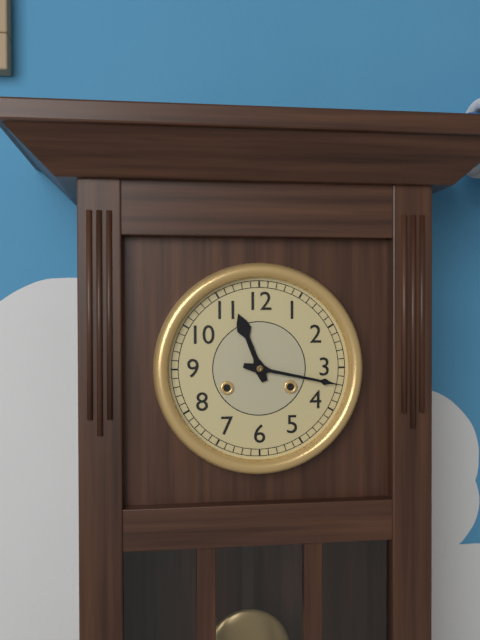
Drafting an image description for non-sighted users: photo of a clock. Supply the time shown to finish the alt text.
11:17
